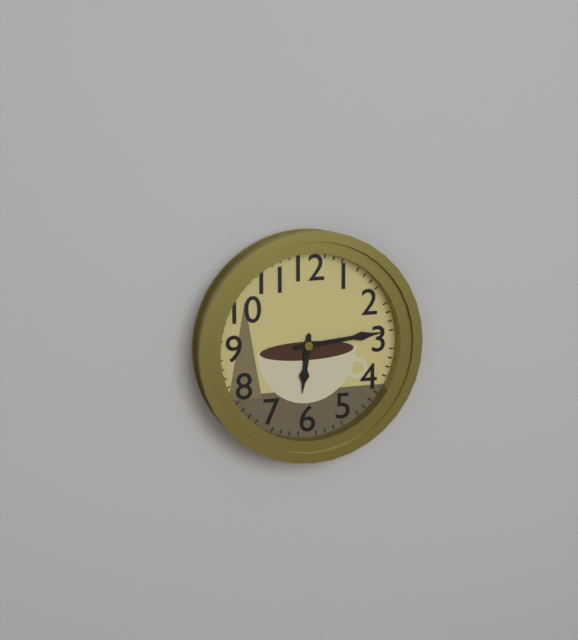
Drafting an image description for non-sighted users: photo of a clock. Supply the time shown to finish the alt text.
6:14
